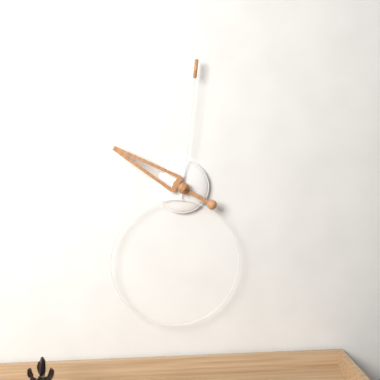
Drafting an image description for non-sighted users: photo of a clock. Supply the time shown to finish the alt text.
10:01
